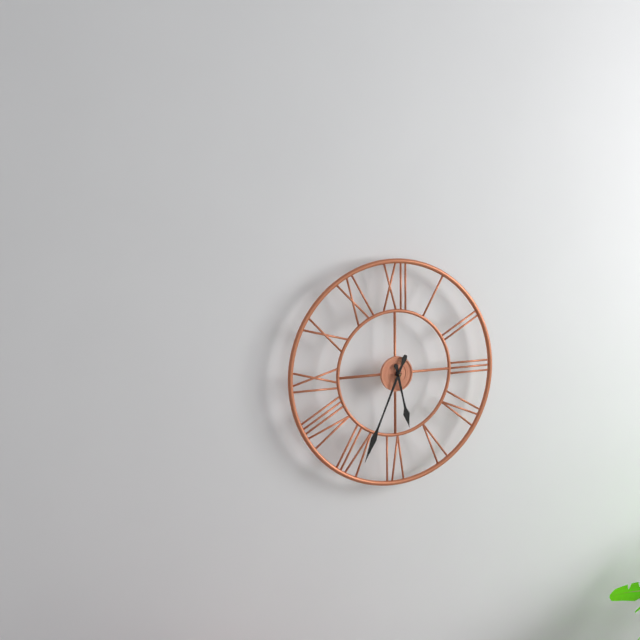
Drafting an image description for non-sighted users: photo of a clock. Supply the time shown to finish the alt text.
5:34
